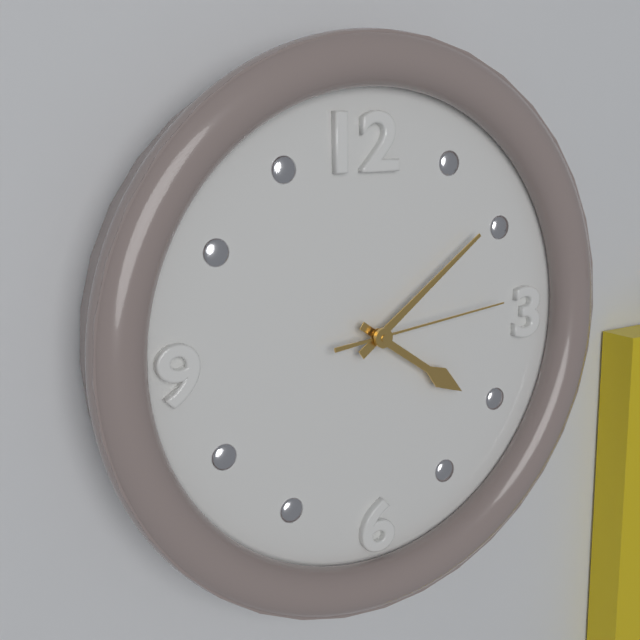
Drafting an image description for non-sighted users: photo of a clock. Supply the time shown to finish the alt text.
4:09:14
